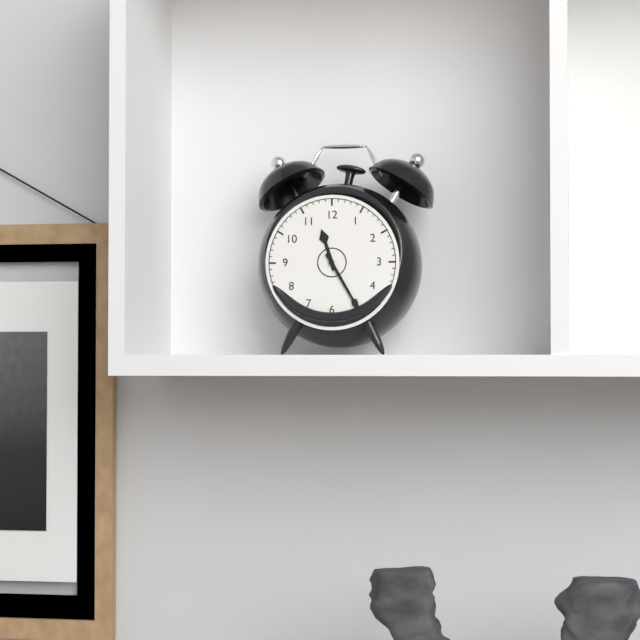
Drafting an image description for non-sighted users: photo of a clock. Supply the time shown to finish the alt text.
11:25
